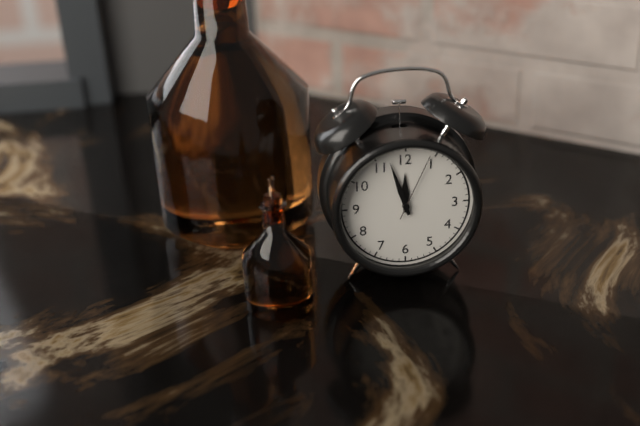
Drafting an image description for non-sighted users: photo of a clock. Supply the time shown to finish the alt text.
11:57:04
